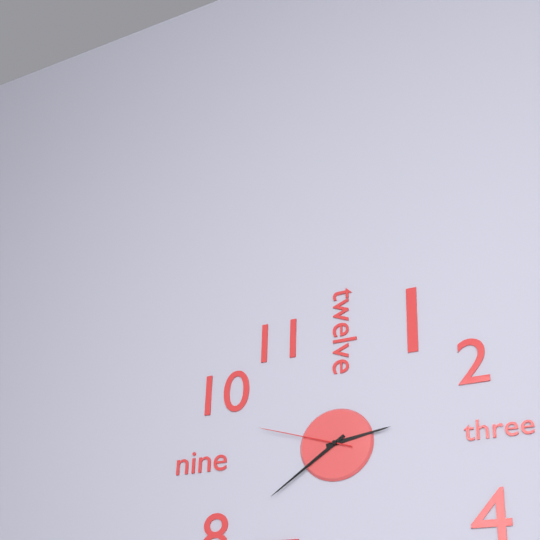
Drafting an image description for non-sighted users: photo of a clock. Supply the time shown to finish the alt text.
2:39:48
